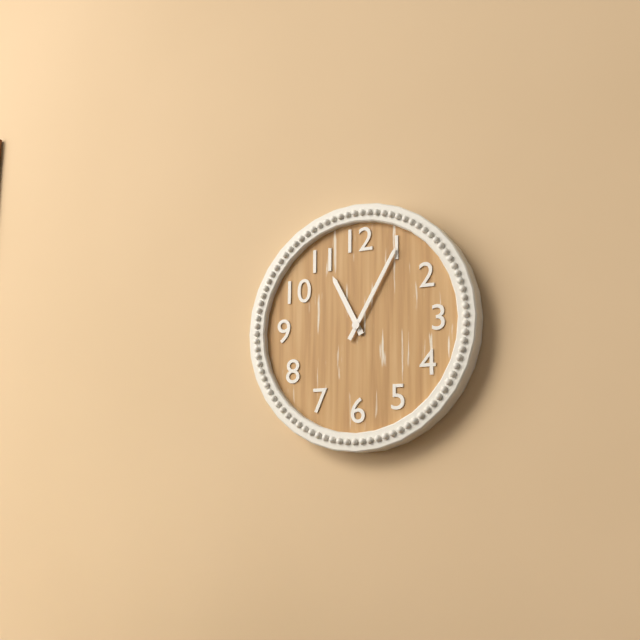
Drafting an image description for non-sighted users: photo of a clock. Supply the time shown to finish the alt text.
11:05
